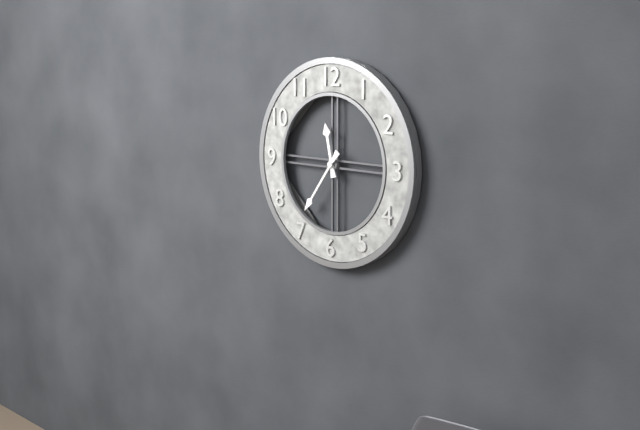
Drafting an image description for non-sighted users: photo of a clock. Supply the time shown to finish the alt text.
11:36
